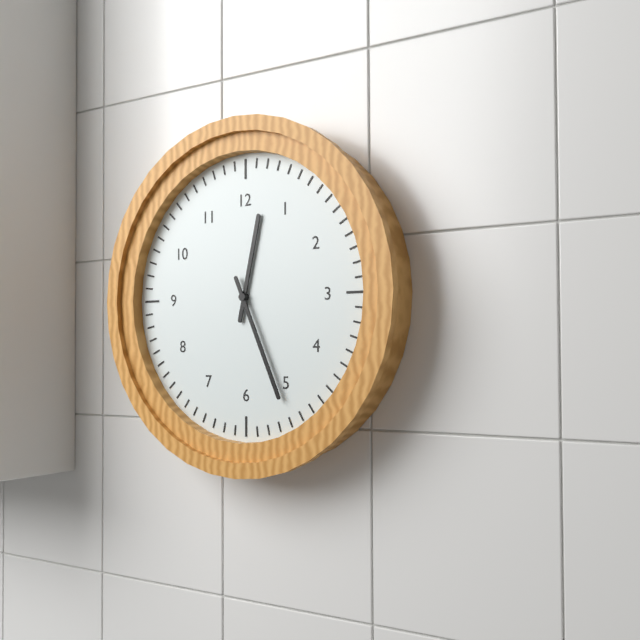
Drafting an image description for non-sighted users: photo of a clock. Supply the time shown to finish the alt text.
12:26
